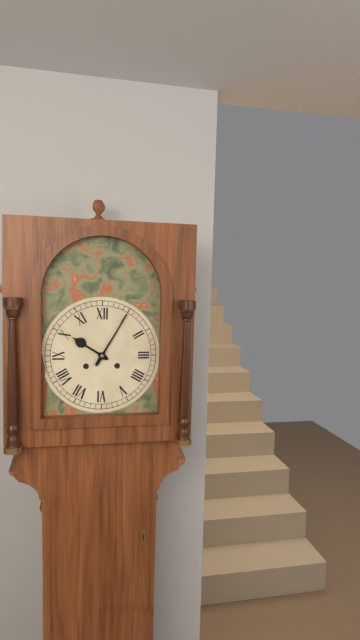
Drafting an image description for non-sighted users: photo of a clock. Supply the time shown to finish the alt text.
10:05
